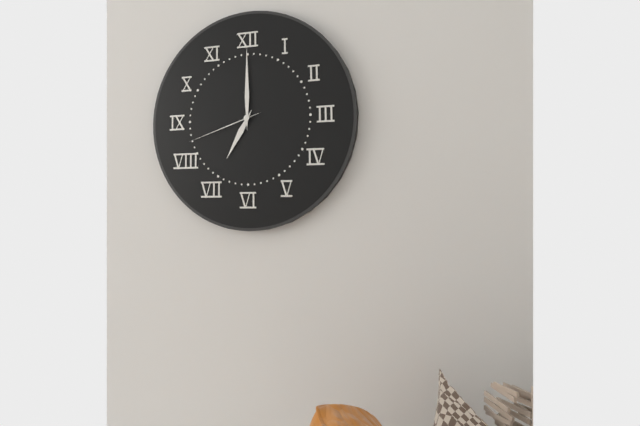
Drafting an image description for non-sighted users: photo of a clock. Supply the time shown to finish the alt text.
7:00:42
